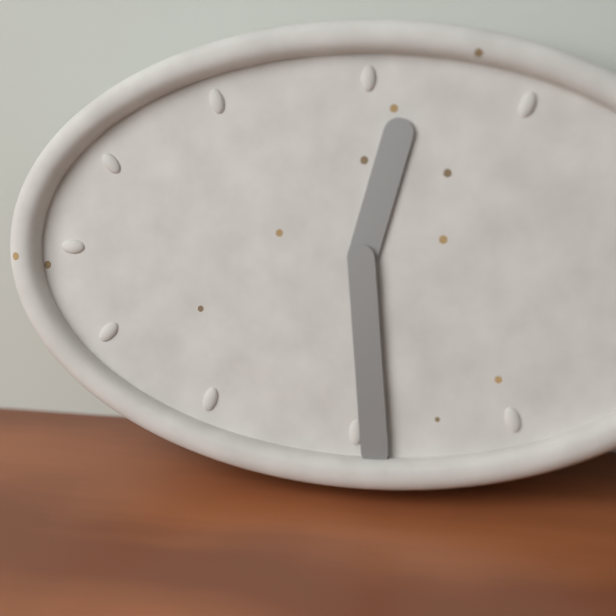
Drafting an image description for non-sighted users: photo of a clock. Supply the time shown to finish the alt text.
12:29
